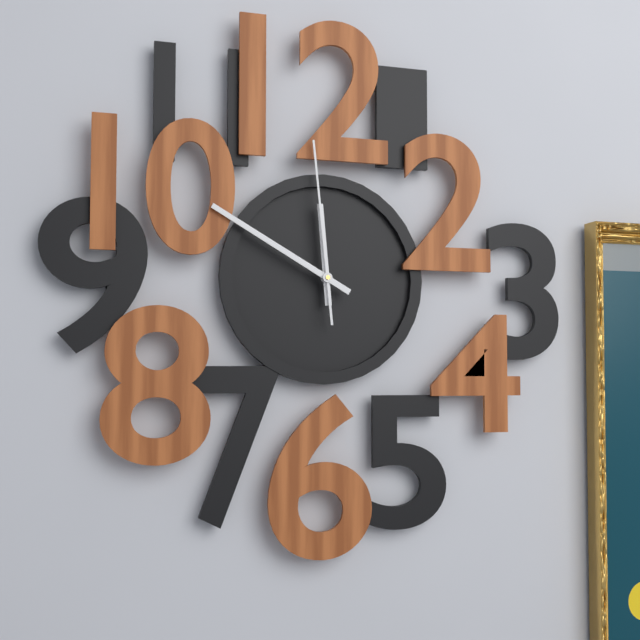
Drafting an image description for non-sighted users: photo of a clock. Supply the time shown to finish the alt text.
11:50:59
